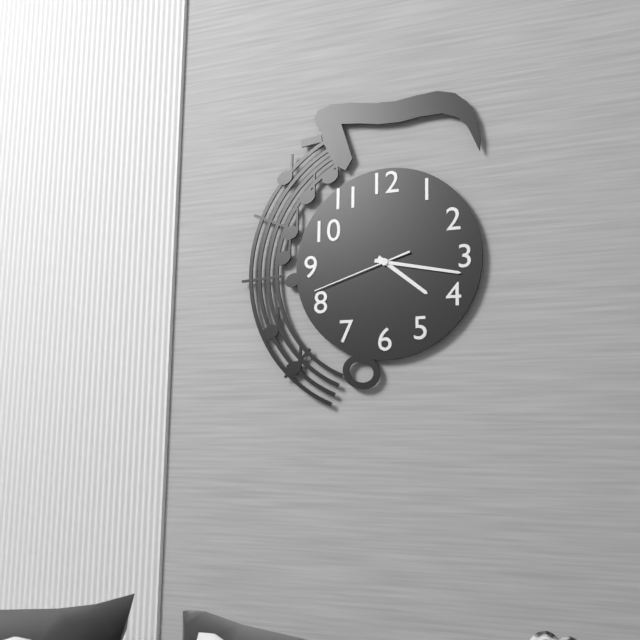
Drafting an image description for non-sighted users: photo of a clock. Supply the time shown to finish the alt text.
4:17:42
